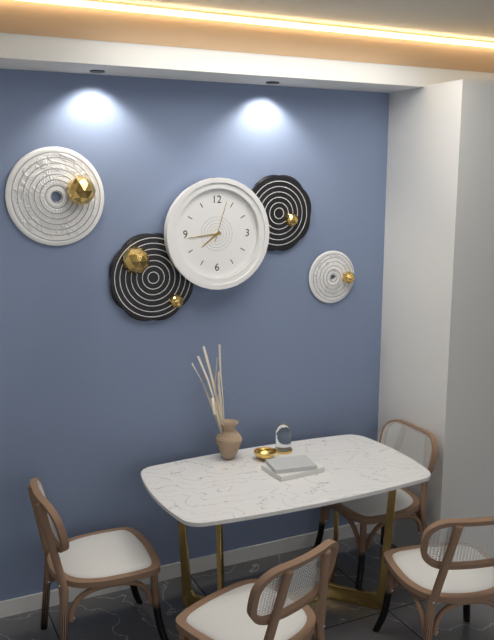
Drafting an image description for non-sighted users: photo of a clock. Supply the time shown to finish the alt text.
7:44
